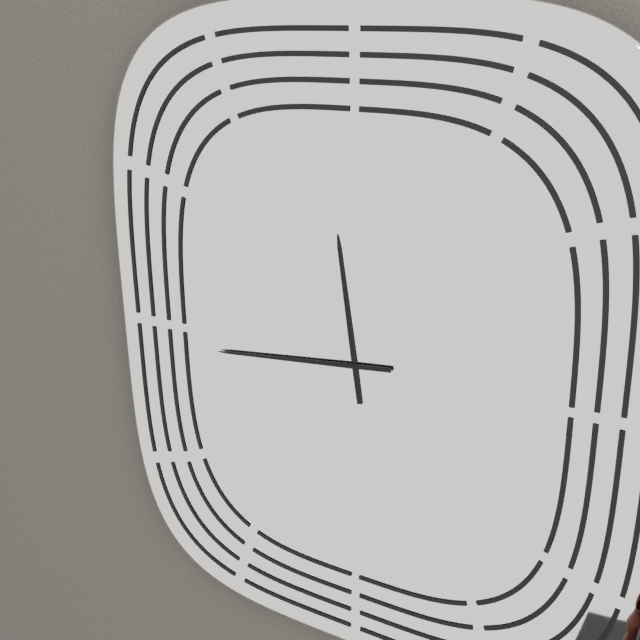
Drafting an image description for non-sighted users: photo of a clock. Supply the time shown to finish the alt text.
11:44
